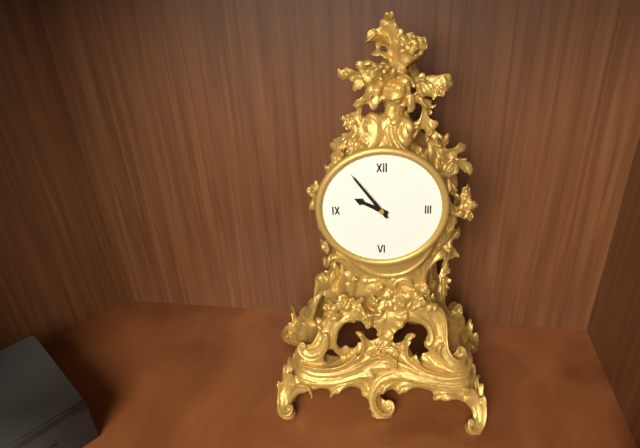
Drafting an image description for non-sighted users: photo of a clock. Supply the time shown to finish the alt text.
9:54
